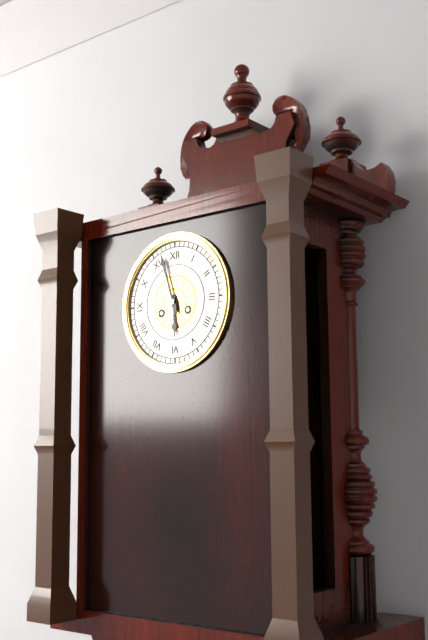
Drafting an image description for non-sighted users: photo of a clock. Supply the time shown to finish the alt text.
5:57
